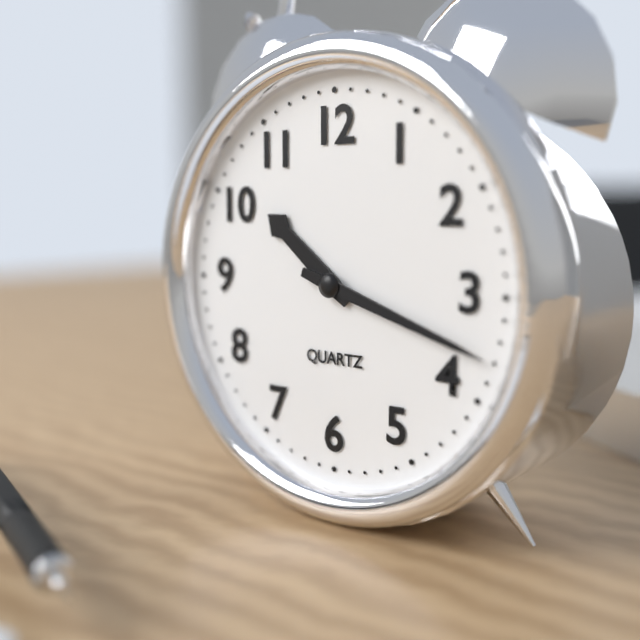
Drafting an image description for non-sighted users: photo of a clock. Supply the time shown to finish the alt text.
10:18
